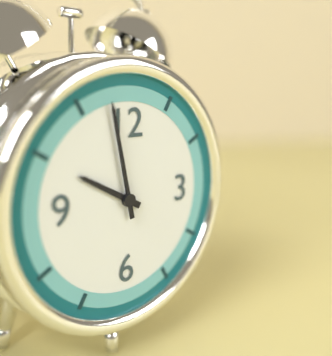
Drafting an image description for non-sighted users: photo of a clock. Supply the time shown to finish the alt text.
9:58
